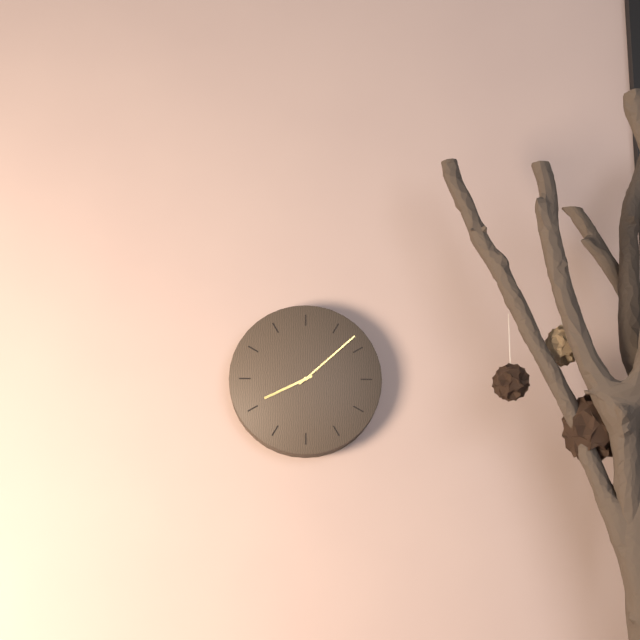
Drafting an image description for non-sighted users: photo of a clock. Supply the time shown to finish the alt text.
8:08
